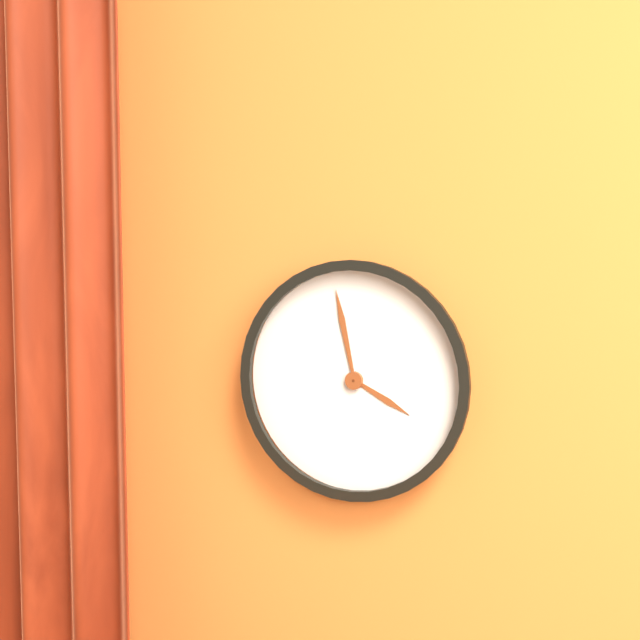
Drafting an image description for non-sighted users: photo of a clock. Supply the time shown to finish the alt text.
3:58
